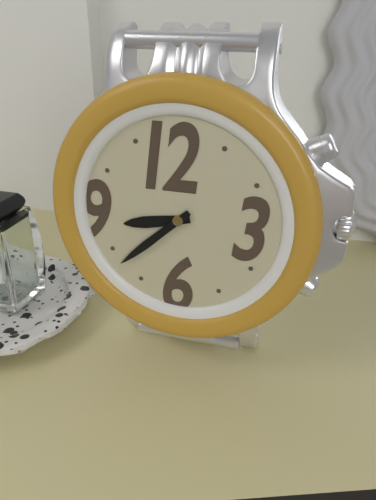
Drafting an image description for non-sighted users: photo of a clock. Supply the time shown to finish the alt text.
8:38
